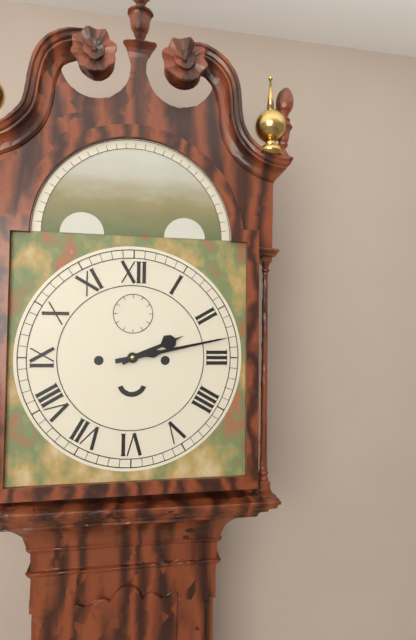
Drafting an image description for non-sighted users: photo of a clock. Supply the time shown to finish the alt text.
2:13
